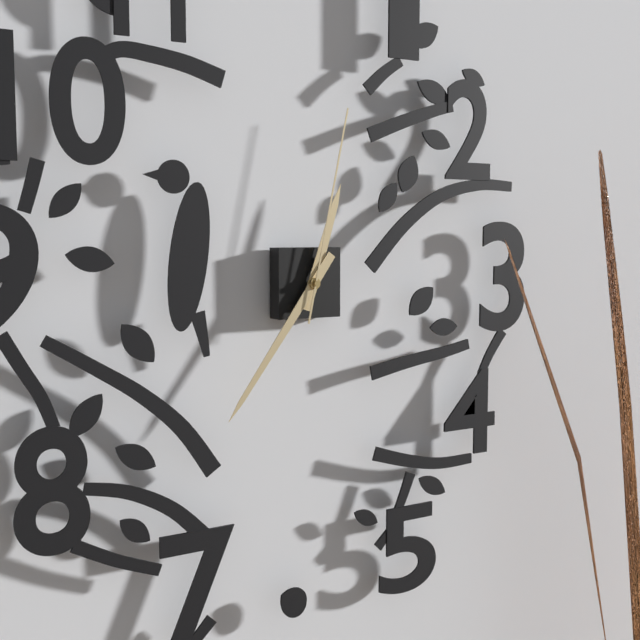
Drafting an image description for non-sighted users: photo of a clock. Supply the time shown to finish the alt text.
12:36:02
